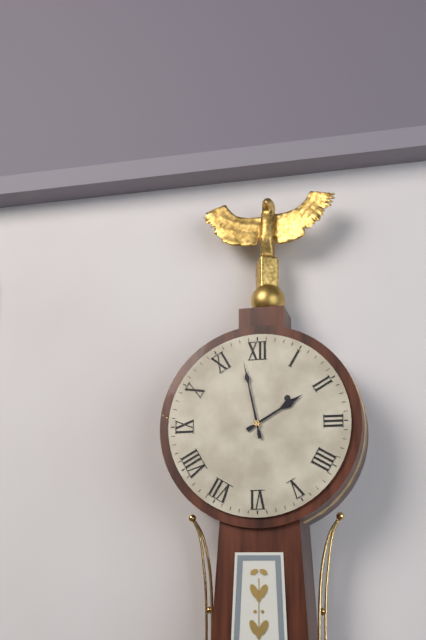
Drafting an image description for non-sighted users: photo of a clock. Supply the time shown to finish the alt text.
1:58
